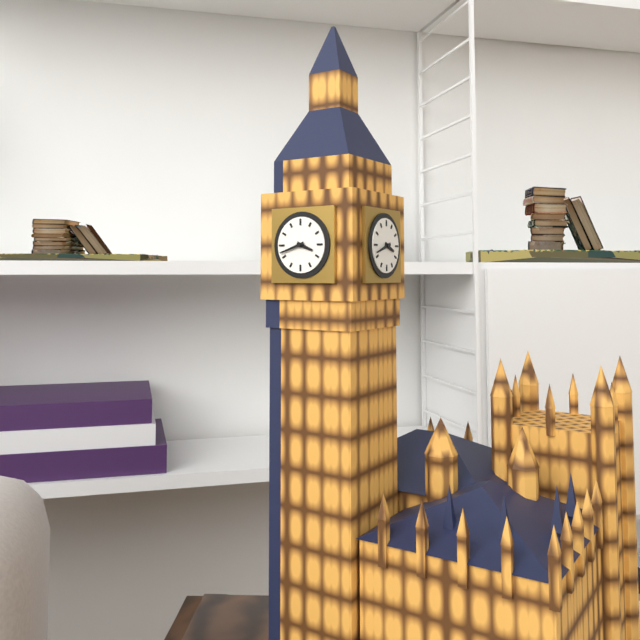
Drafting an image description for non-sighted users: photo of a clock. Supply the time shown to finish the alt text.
3:42
